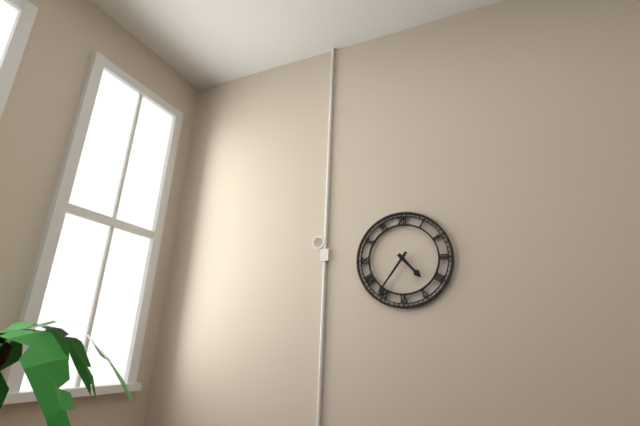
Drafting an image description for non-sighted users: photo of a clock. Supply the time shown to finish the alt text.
4:36
